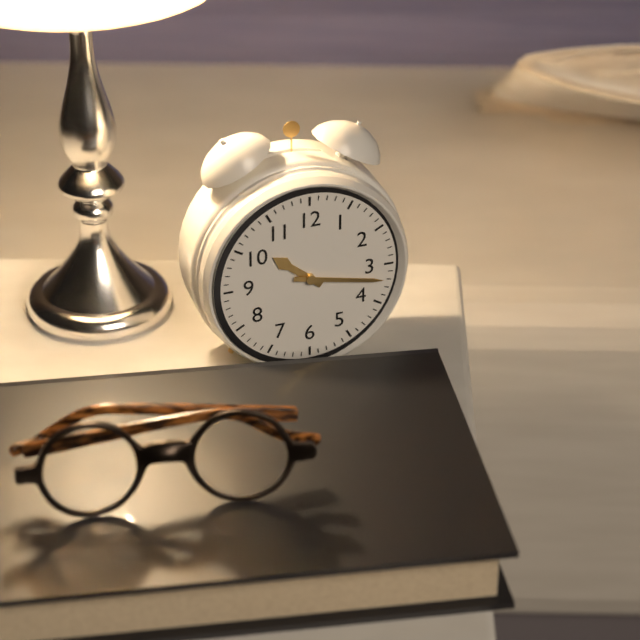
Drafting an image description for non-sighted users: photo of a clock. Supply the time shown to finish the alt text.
10:17
